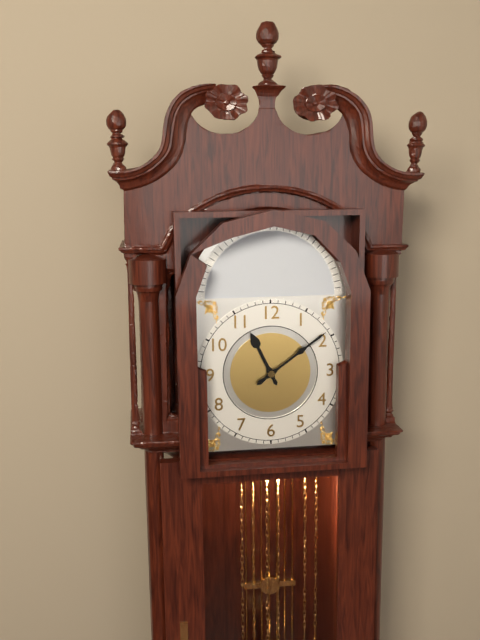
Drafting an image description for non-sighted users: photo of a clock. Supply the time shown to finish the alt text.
11:09
